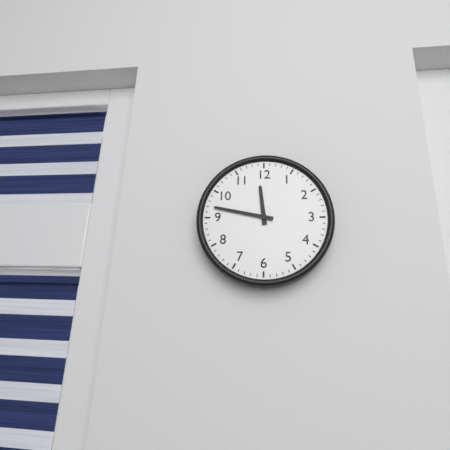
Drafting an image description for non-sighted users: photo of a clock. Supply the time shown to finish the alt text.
11:47
